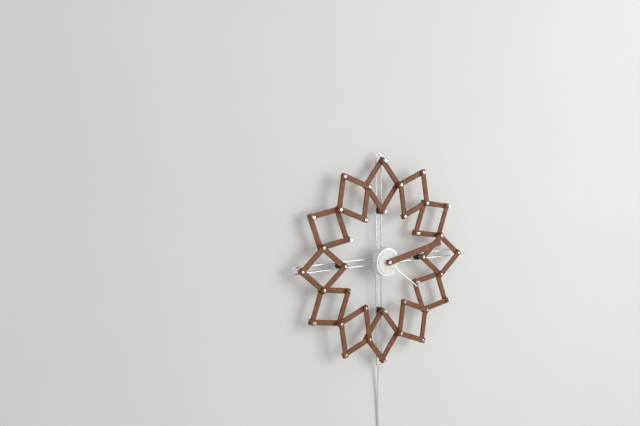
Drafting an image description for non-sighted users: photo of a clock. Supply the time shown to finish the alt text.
4:13
